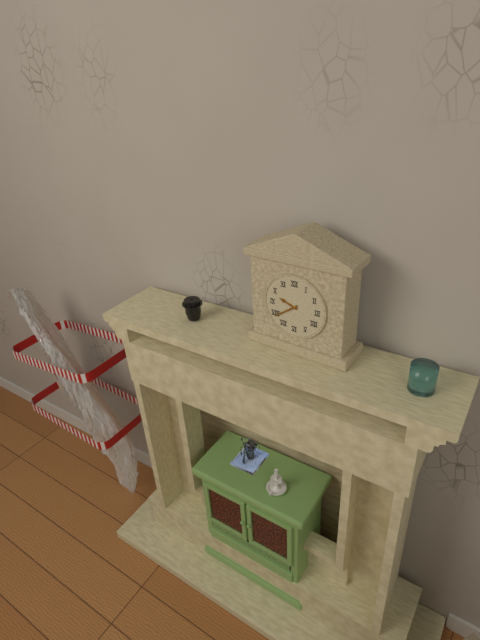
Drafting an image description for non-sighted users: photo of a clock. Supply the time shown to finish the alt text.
9:39
